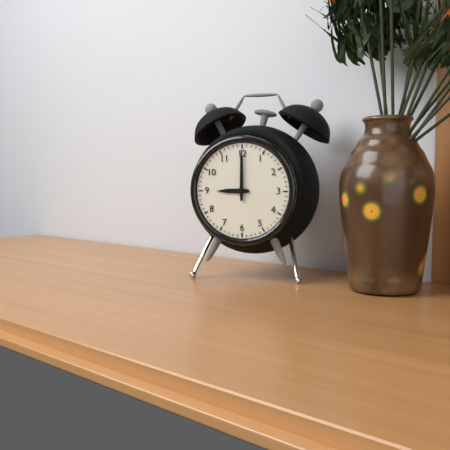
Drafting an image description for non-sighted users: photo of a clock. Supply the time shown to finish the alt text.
9:00
